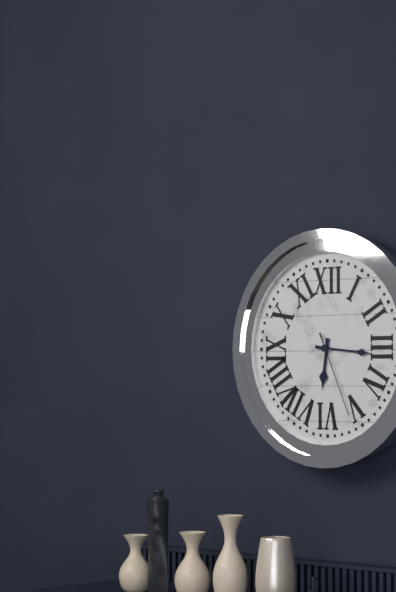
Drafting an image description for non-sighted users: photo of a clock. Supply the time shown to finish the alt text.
6:16:26
